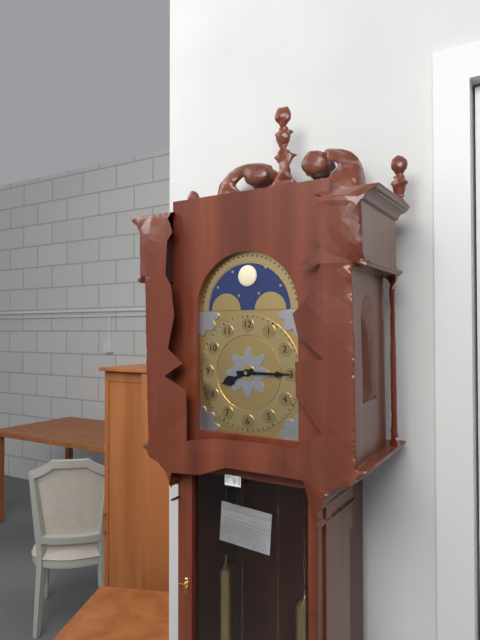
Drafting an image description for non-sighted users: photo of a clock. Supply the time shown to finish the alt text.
8:15
